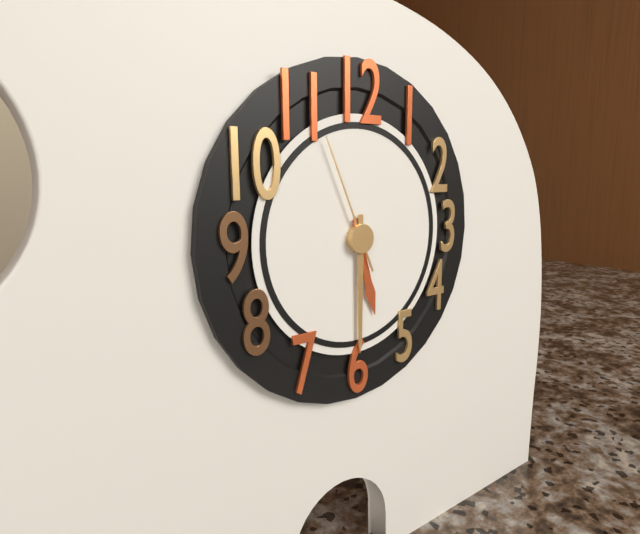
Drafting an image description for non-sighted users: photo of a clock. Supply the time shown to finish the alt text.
5:30:56
